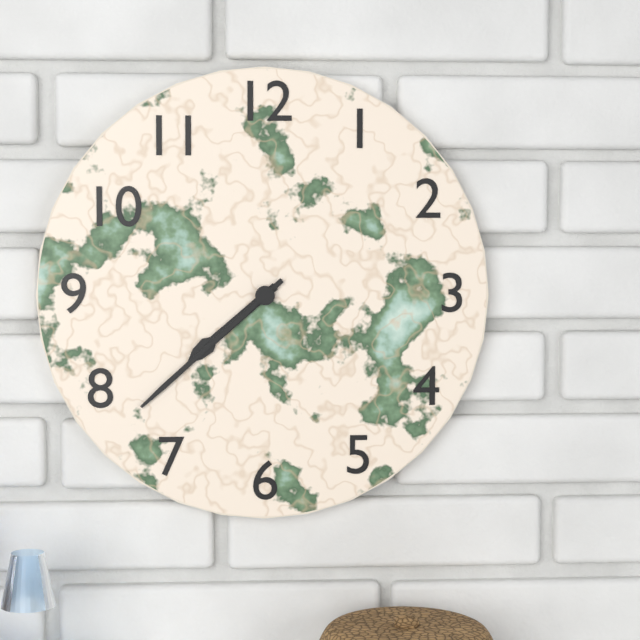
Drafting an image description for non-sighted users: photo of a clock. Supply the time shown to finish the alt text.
7:38
